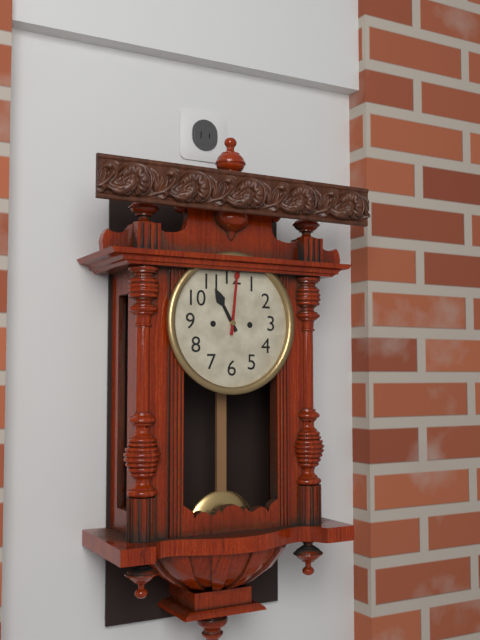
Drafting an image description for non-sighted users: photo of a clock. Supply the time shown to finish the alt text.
11:01
